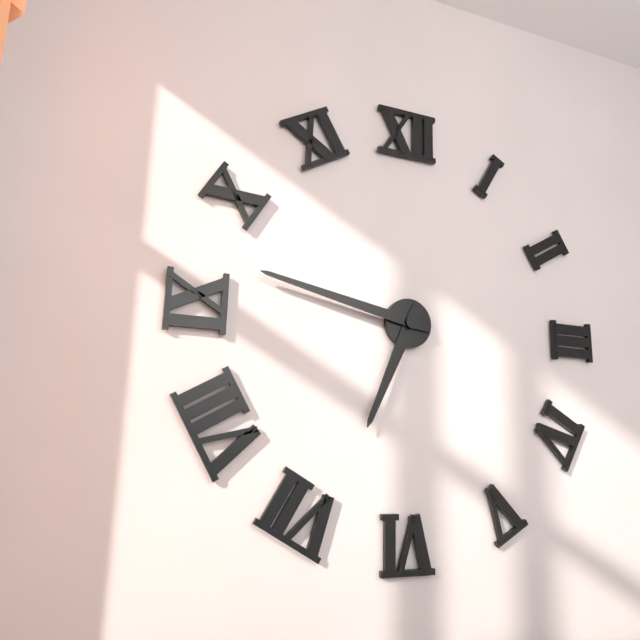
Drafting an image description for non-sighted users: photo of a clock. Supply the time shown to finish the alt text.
6:47
